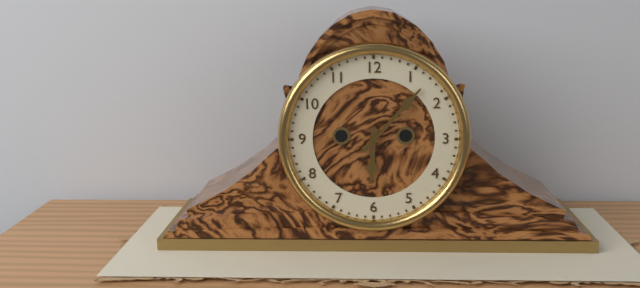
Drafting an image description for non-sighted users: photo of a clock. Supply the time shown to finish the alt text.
6:07
